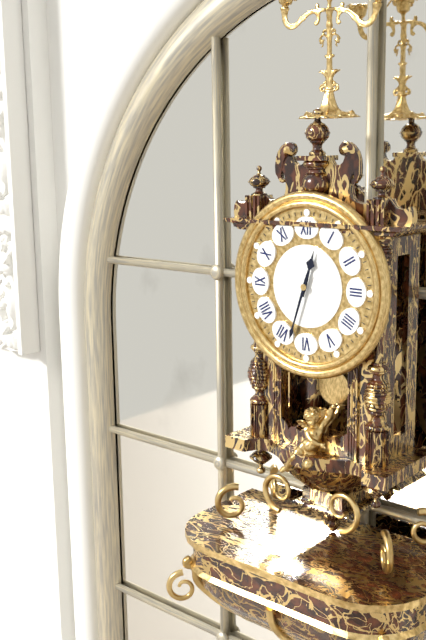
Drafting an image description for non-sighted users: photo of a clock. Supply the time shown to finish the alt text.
12:33
